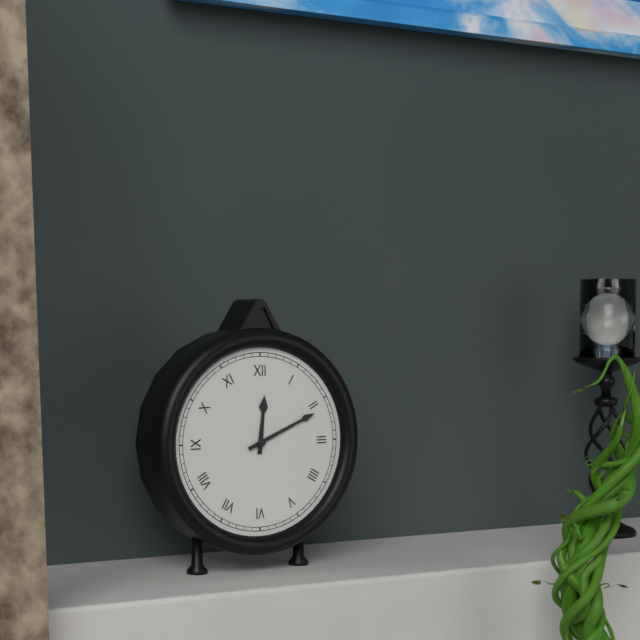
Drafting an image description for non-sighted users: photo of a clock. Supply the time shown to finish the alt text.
12:11
